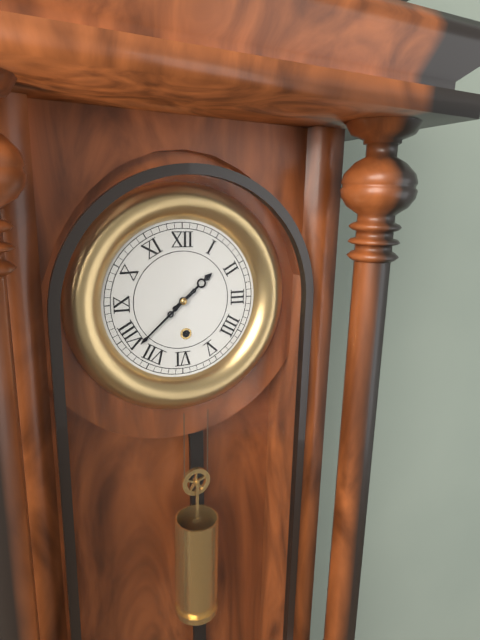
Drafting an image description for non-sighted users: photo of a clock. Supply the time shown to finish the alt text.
1:38
